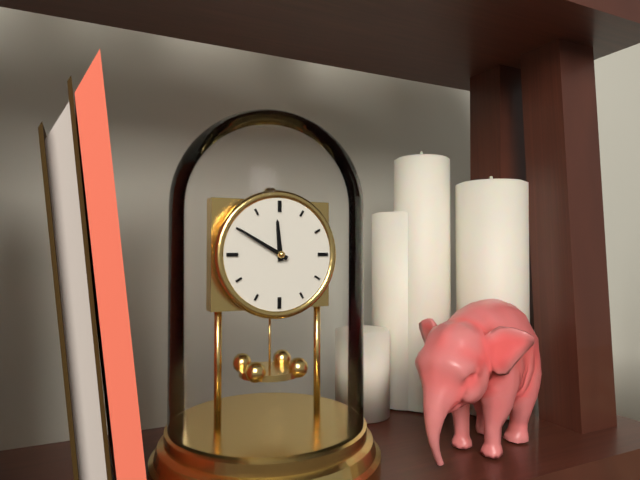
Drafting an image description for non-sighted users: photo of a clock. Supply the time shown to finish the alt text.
11:50
